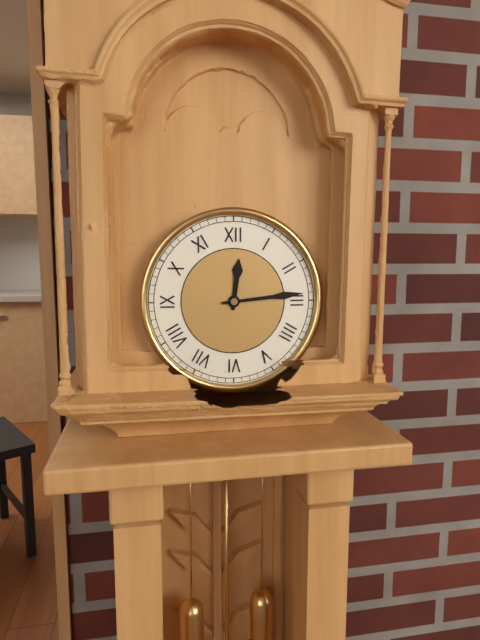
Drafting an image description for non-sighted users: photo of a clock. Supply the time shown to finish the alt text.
12:14
